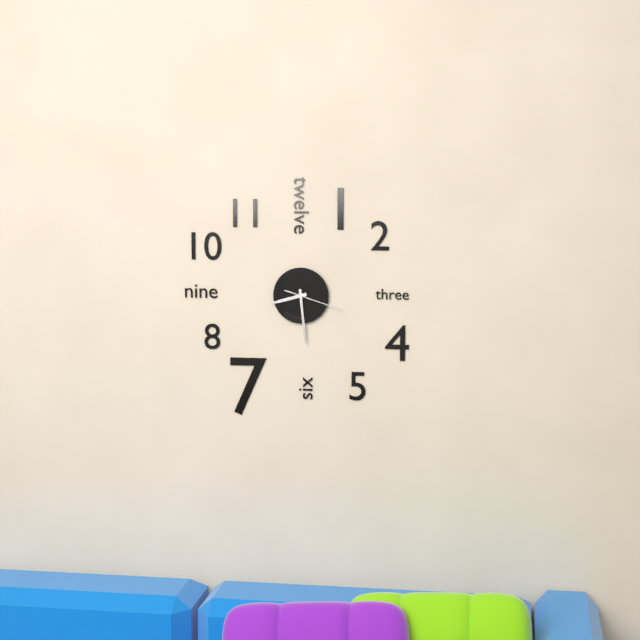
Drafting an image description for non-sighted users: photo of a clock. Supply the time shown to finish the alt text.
8:29:18
